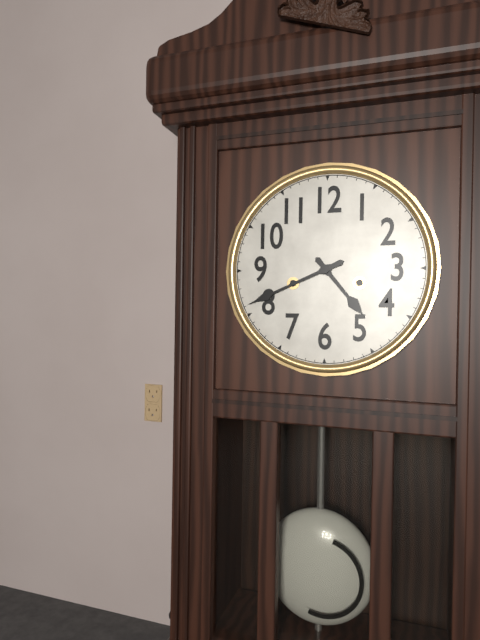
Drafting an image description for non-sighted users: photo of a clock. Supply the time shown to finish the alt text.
4:41
